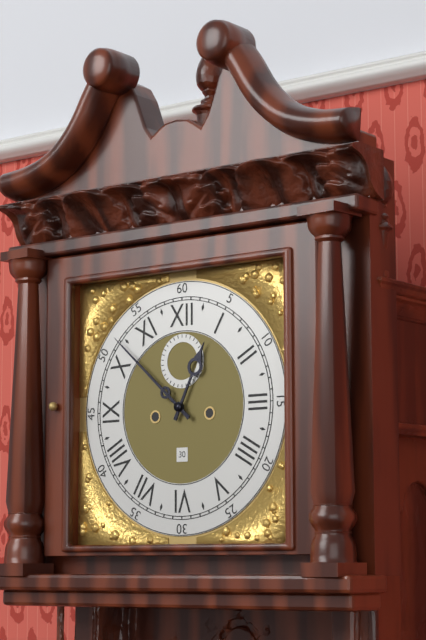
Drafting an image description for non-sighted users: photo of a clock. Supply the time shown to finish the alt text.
12:52
